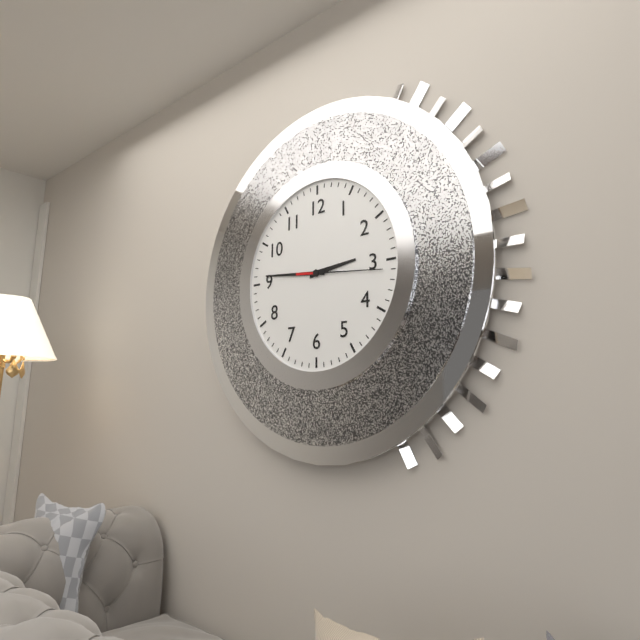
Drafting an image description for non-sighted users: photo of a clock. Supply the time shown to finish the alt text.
2:46:16
